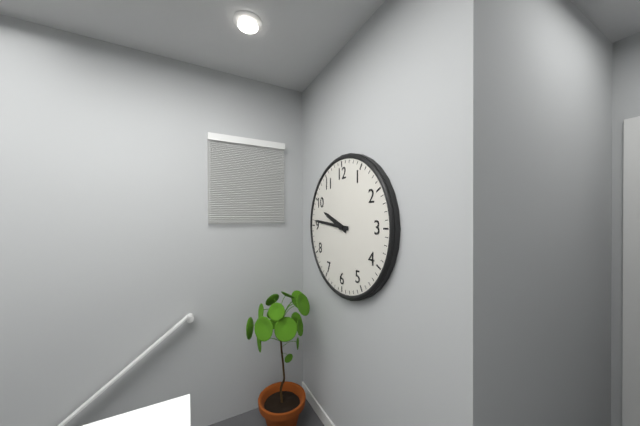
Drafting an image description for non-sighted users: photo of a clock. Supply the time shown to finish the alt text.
9:46
